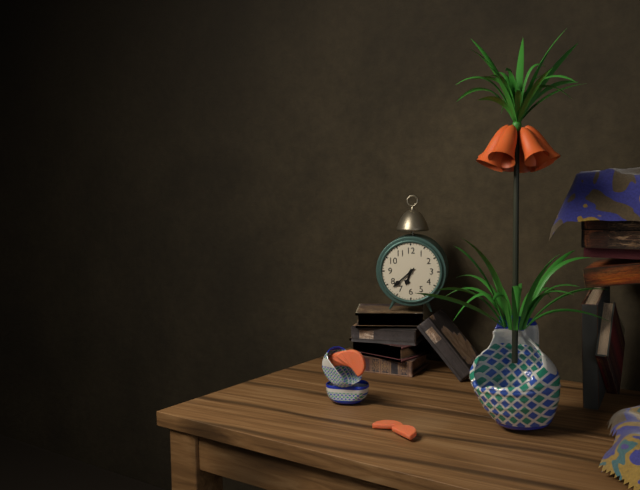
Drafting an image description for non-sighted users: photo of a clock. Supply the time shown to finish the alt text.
6:38
